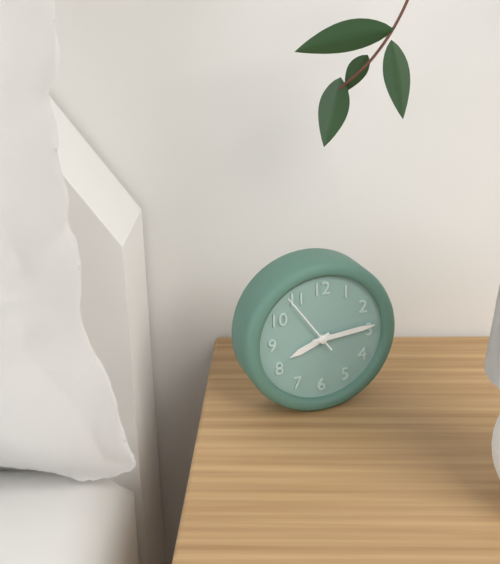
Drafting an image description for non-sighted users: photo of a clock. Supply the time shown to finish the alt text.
8:14:54
